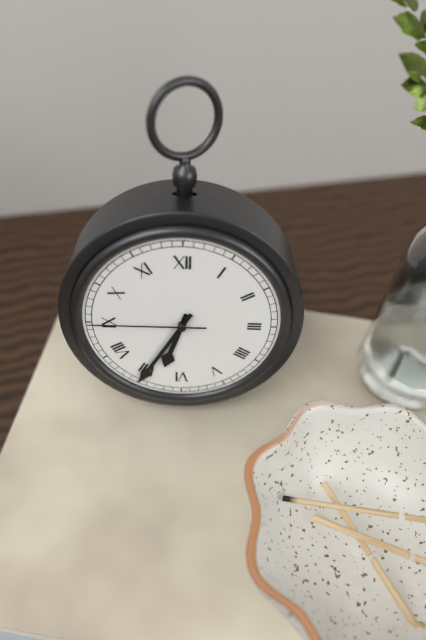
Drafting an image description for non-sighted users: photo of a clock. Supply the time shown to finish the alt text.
6:35:45
